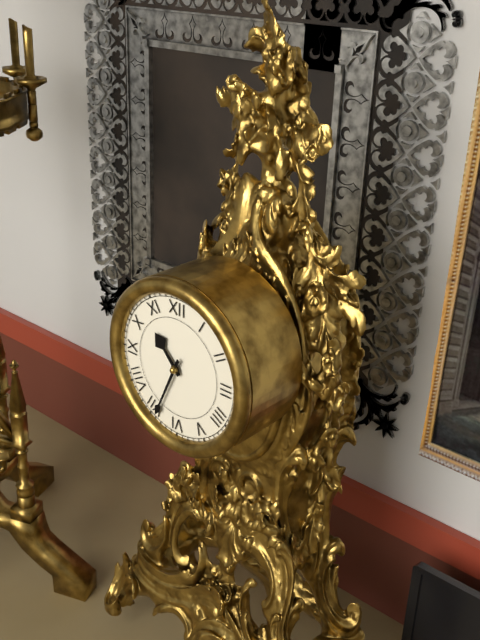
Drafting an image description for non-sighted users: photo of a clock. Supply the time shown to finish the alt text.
10:34
